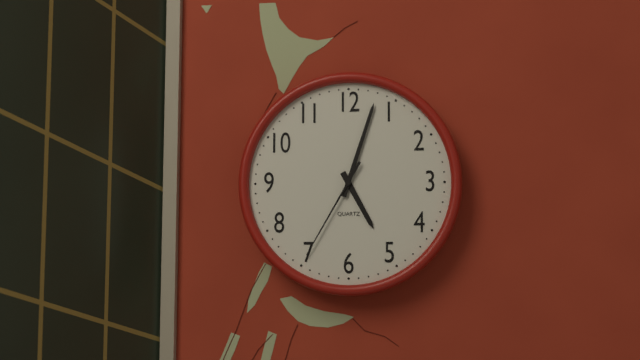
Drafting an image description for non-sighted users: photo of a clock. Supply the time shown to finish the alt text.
5:03:35
